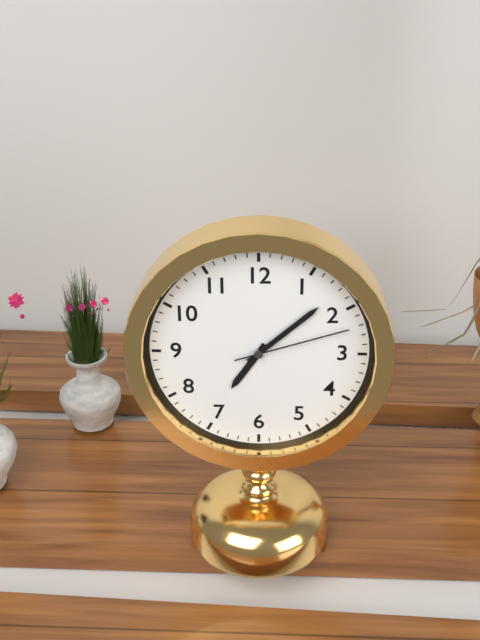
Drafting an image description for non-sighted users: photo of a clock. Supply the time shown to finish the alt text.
7:08:12
